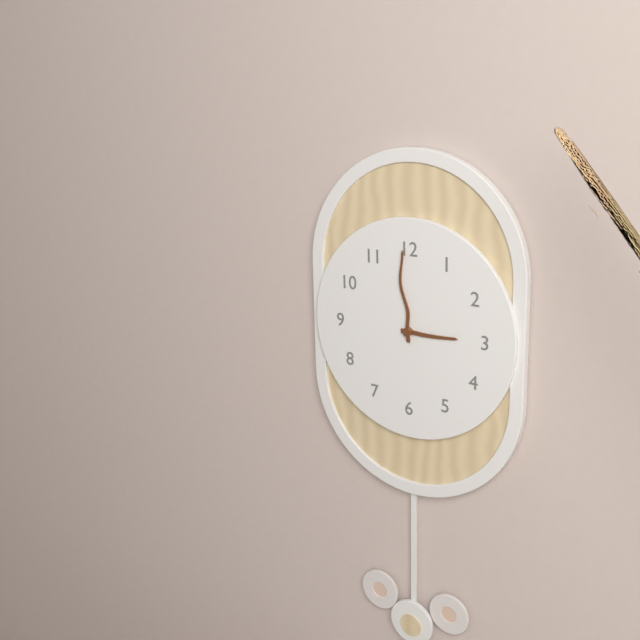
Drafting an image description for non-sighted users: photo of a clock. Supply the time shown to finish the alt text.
2:59
